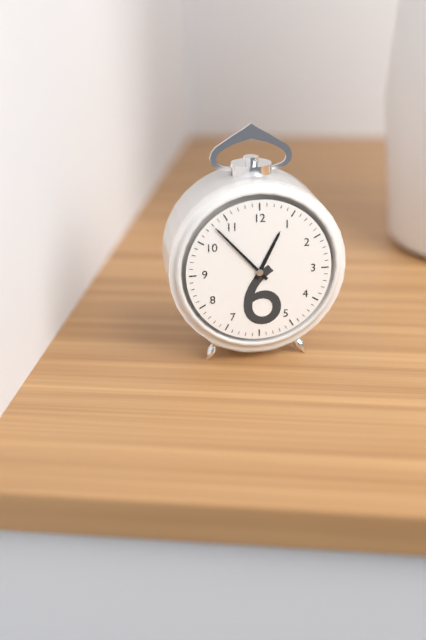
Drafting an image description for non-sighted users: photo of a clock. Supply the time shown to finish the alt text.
12:53
